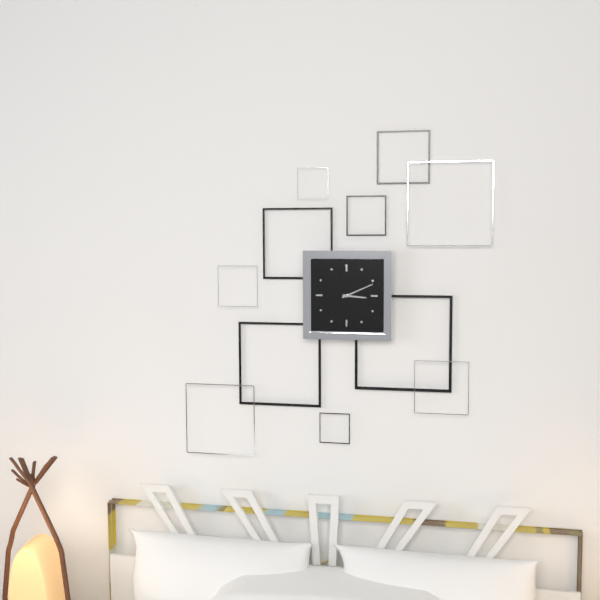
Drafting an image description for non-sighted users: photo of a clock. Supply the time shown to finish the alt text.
3:11
